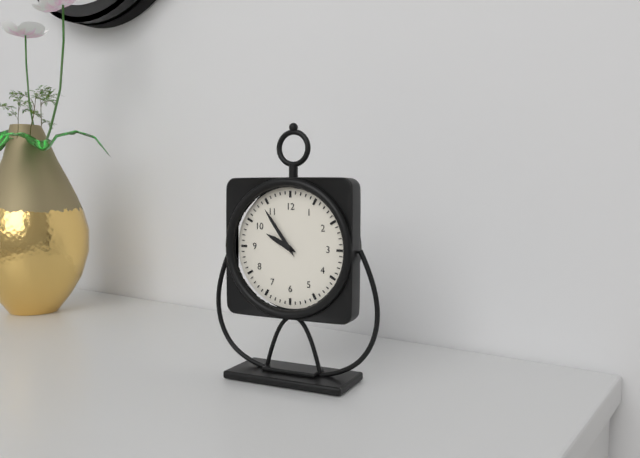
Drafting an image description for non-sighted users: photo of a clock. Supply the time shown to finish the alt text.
9:54
